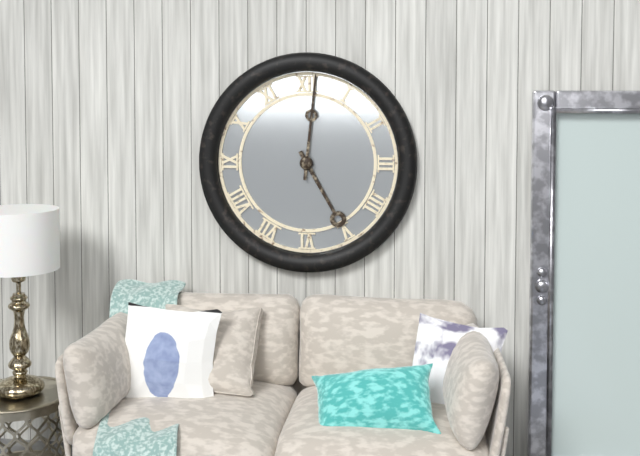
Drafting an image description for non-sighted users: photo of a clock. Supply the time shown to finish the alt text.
5:01
